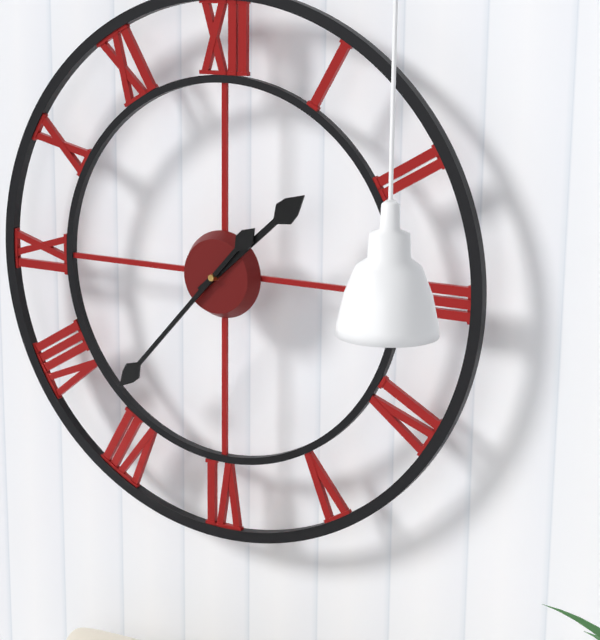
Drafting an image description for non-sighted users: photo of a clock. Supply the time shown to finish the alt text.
1:37
